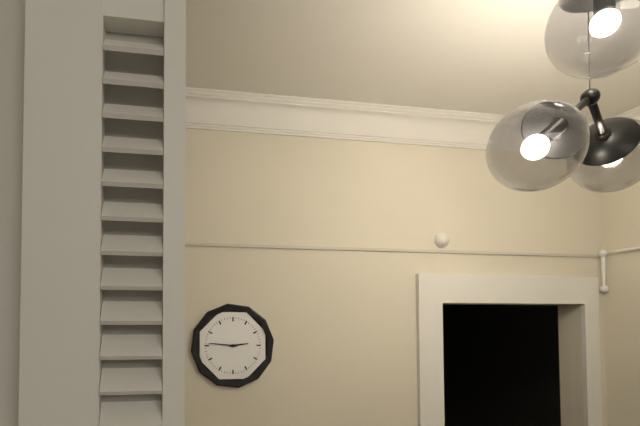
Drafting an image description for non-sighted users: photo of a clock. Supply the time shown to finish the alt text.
2:46
